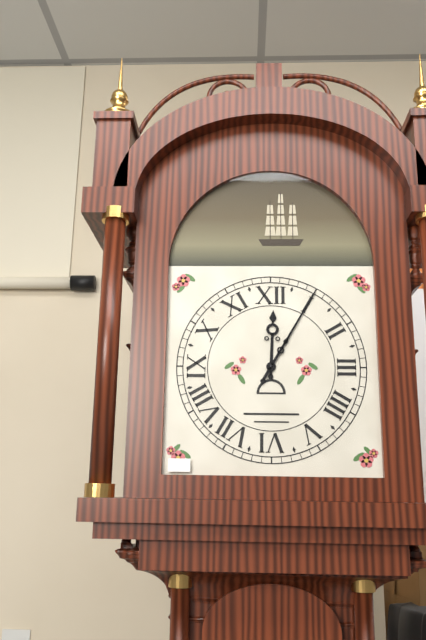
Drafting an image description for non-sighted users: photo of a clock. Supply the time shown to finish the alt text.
12:05
